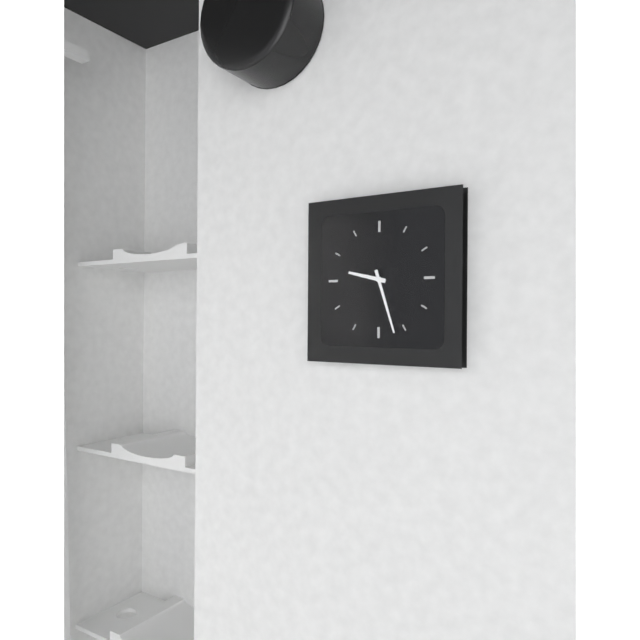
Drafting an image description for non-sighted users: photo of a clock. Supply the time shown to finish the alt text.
9:27
